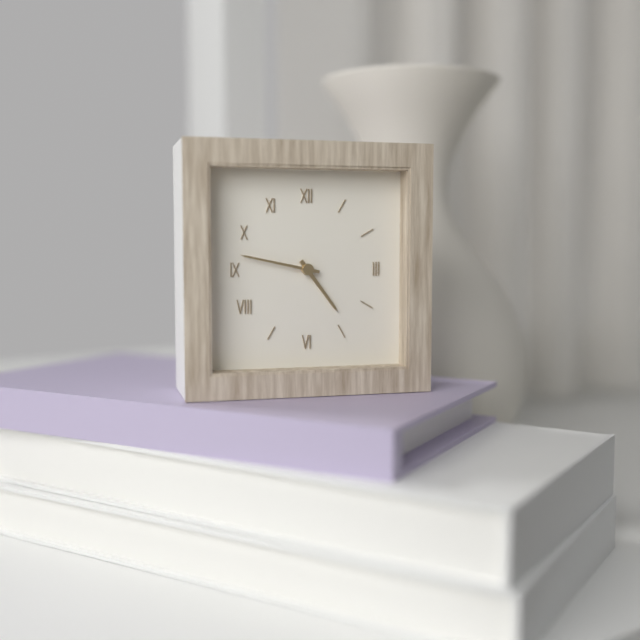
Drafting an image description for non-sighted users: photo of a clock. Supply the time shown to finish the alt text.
4:47
